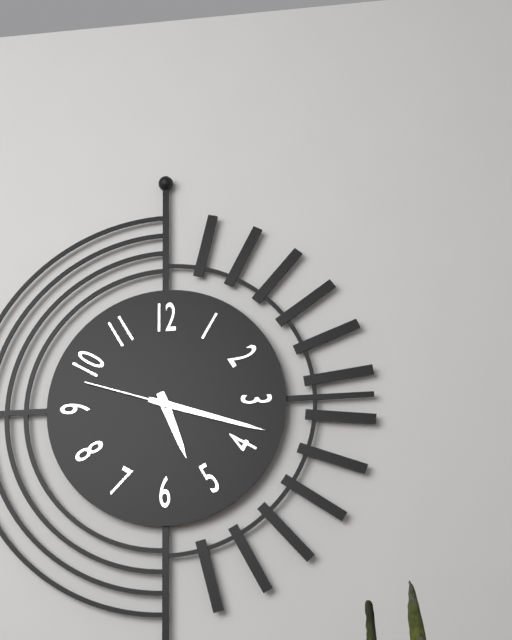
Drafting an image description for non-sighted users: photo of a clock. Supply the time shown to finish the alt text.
5:18:48
